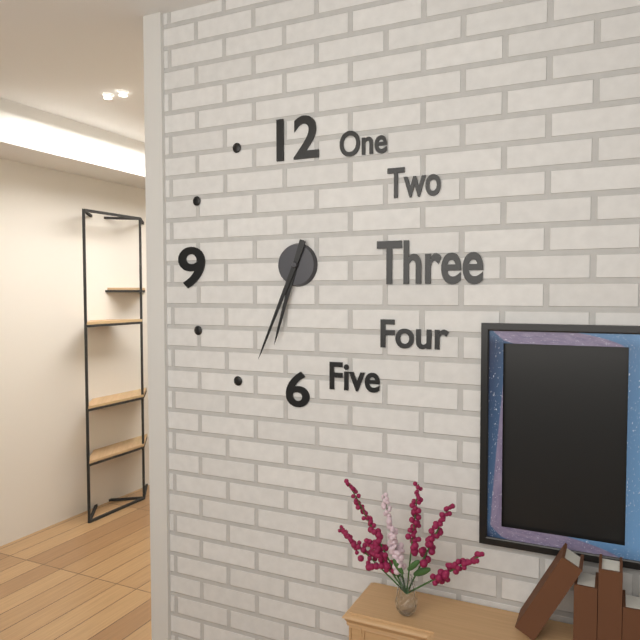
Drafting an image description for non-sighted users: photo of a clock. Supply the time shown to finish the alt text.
6:34
